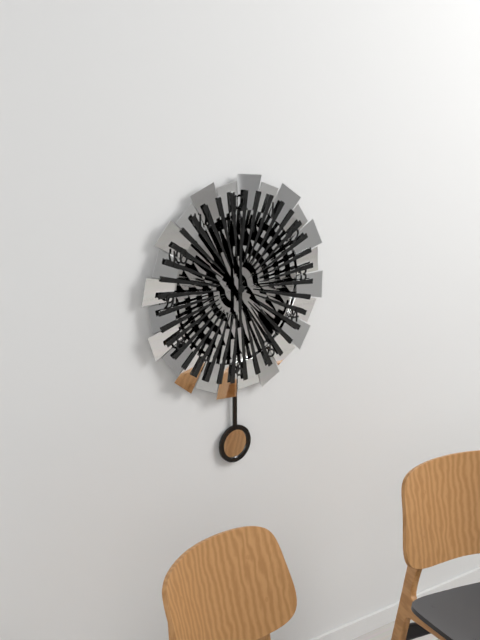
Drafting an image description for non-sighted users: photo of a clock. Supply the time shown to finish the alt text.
6:00
